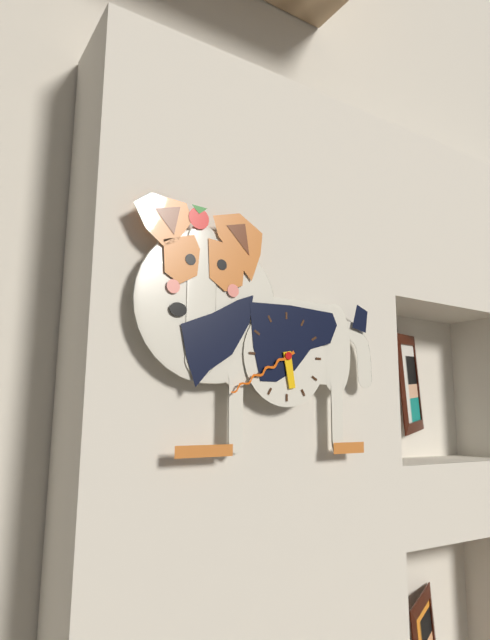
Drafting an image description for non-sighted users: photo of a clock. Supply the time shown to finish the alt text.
5:40
